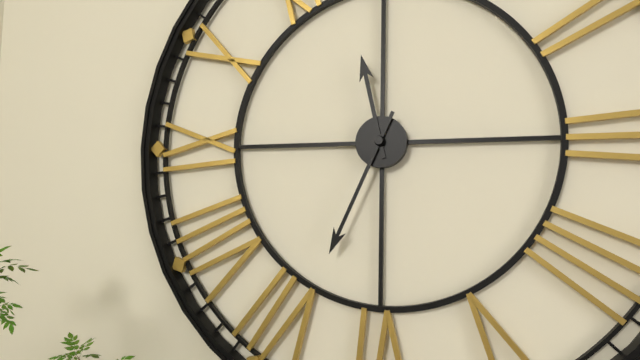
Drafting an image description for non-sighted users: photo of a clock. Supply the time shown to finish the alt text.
11:34
